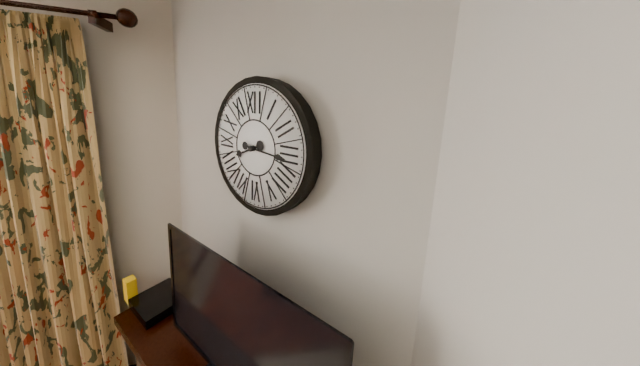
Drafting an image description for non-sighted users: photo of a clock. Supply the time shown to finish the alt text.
8:16
